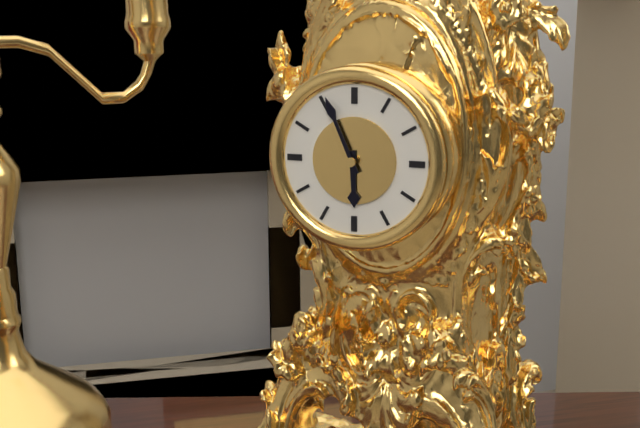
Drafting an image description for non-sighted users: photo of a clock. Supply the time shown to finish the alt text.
5:56
